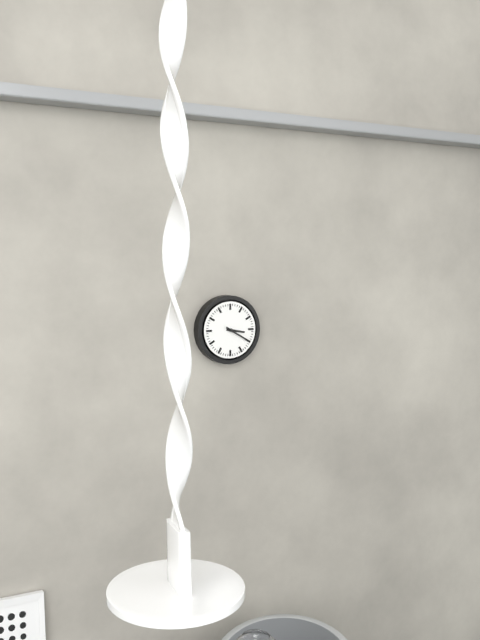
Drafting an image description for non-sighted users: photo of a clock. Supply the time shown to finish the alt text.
3:20
